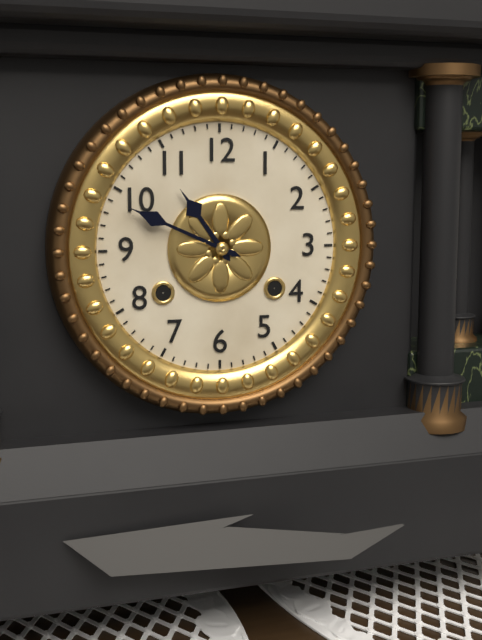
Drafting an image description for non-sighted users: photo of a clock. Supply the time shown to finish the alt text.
10:49
